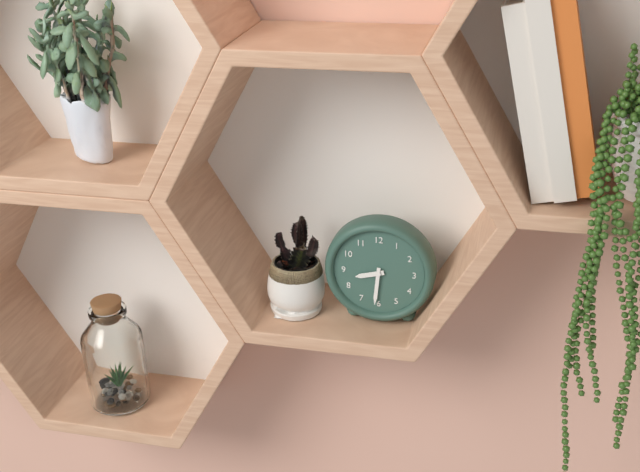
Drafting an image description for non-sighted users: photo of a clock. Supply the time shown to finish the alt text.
8:31
